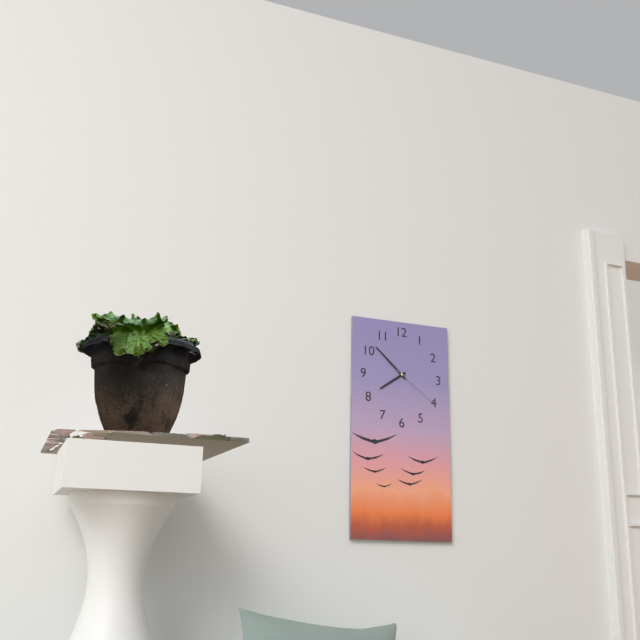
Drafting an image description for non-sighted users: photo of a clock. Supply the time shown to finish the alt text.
7:52
